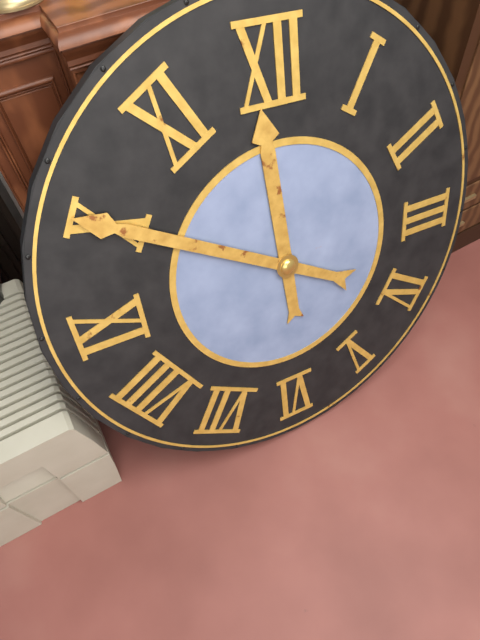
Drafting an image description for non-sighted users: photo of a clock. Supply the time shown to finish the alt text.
11:50
